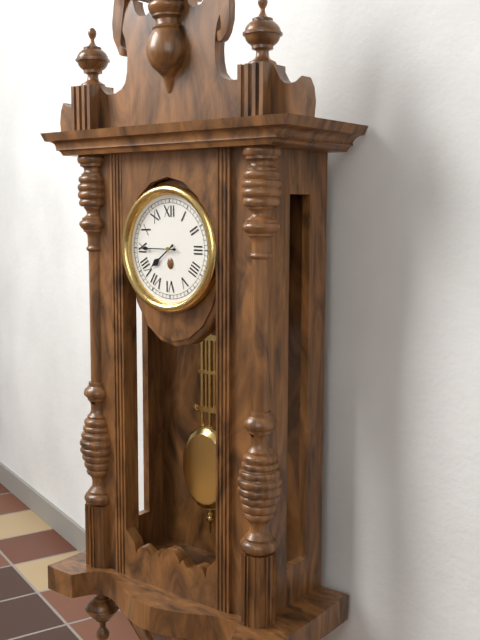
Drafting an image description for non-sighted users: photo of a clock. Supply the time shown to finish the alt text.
7:45
